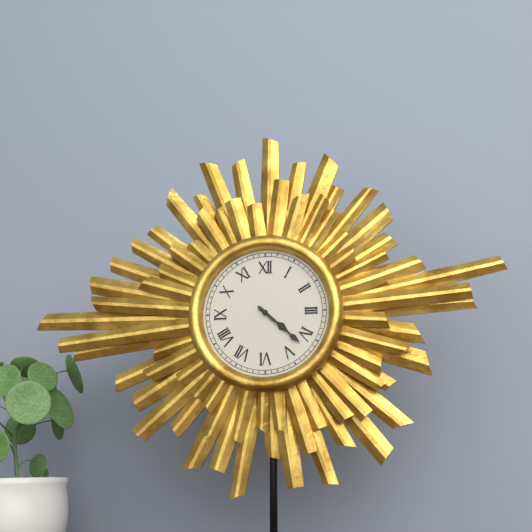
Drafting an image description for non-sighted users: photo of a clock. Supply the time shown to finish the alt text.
4:22
